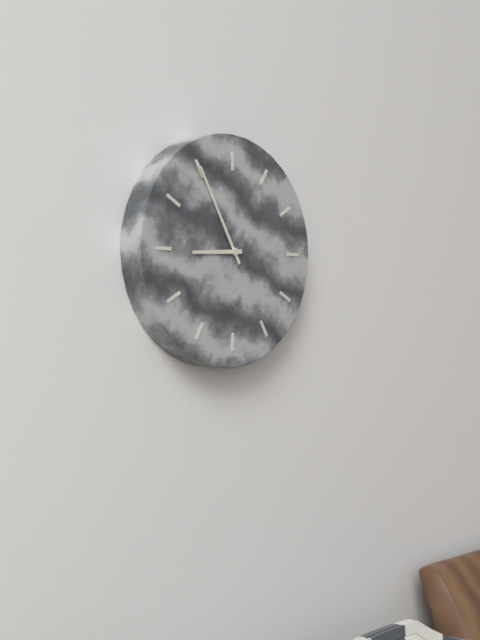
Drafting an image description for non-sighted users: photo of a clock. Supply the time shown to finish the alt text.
8:55
